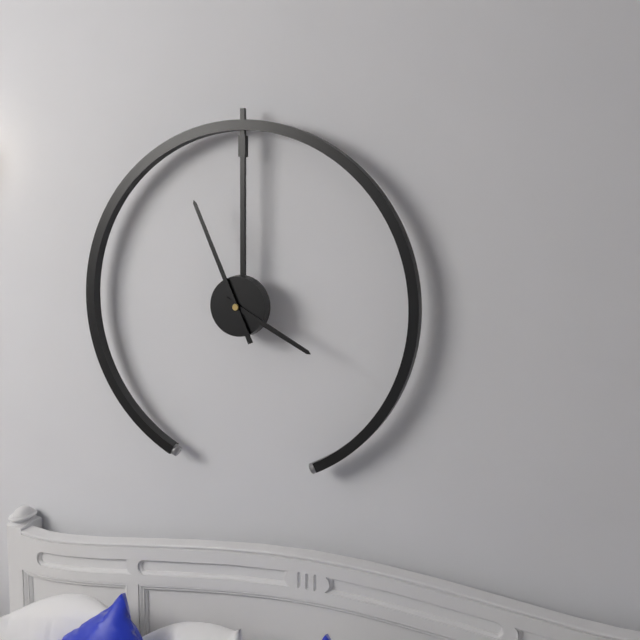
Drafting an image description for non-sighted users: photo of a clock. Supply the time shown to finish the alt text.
3:56
